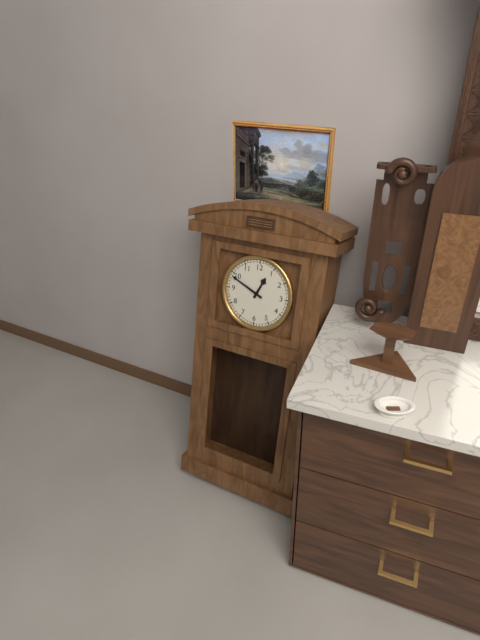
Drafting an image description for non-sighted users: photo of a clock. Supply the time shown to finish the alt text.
12:49
